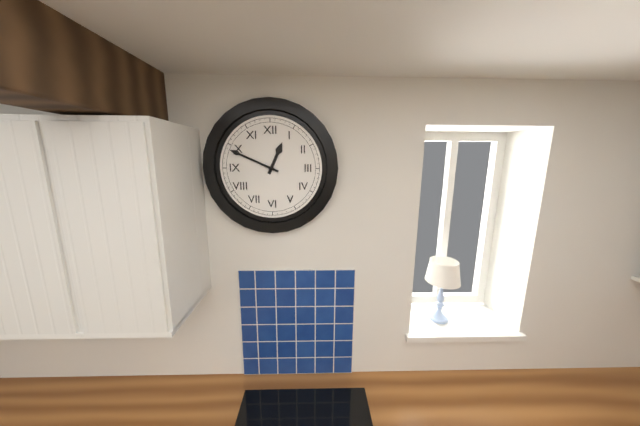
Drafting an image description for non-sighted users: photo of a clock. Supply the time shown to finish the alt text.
12:49
